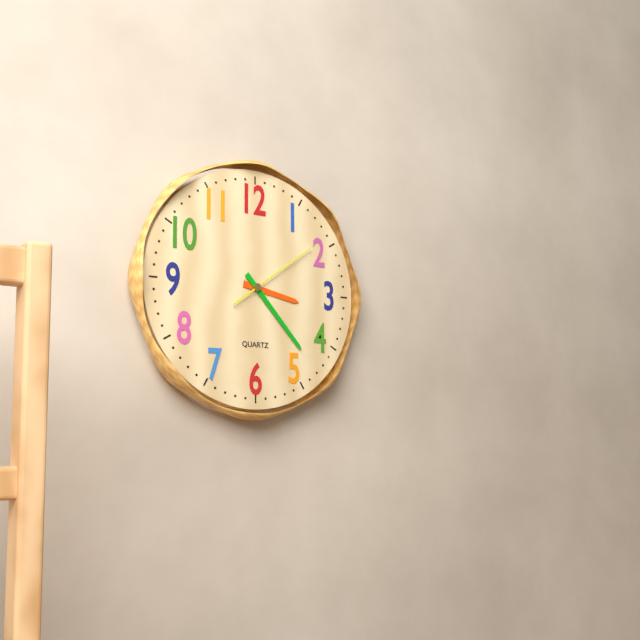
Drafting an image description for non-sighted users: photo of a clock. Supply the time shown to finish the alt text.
3:23:09
